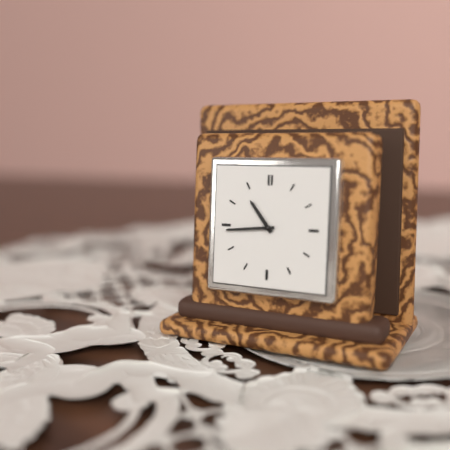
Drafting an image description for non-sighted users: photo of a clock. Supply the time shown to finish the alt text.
10:44
